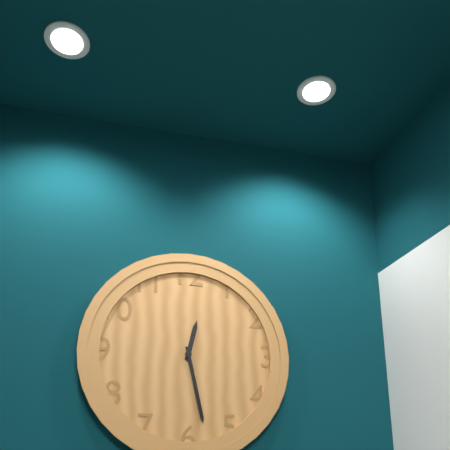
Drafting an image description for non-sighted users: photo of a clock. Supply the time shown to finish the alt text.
12:28
